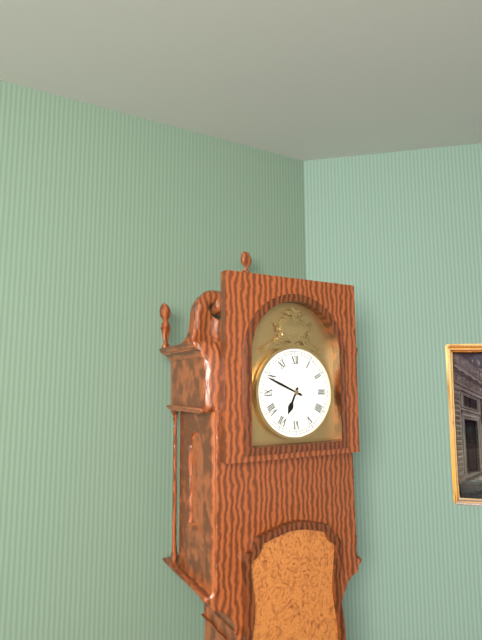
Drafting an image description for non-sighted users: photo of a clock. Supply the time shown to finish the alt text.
6:49
